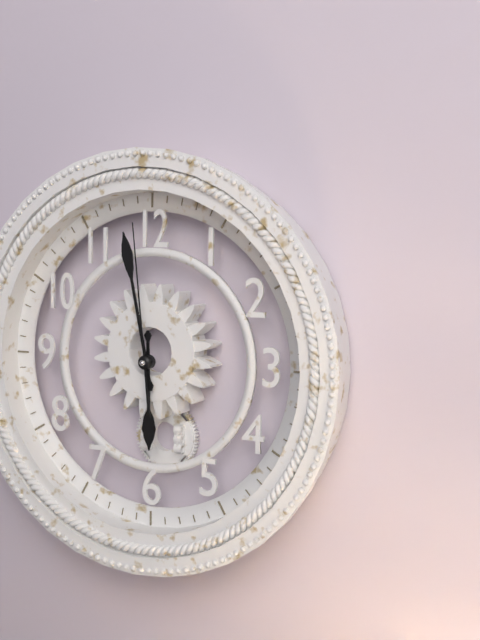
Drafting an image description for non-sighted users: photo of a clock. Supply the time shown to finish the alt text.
5:58:59
